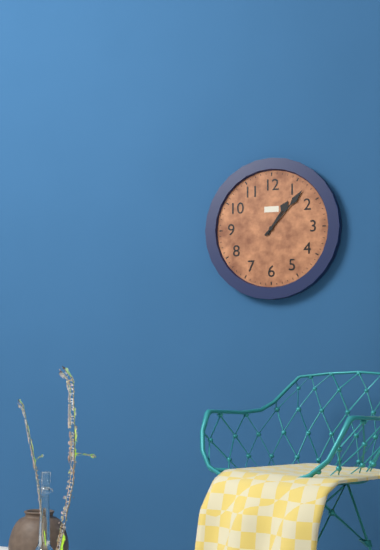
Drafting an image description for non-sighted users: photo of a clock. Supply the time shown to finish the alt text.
1:07
